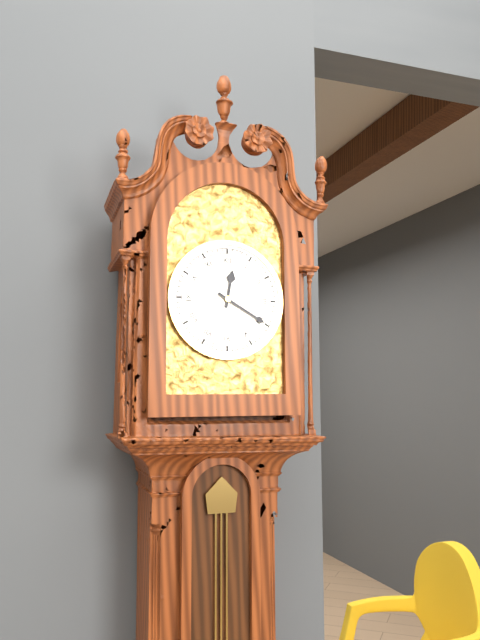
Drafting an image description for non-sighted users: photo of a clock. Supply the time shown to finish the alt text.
12:20
